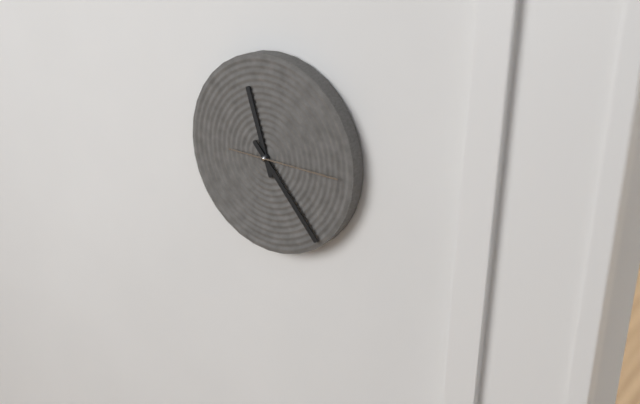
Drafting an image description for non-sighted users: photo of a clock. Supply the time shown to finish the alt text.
11:23:15
